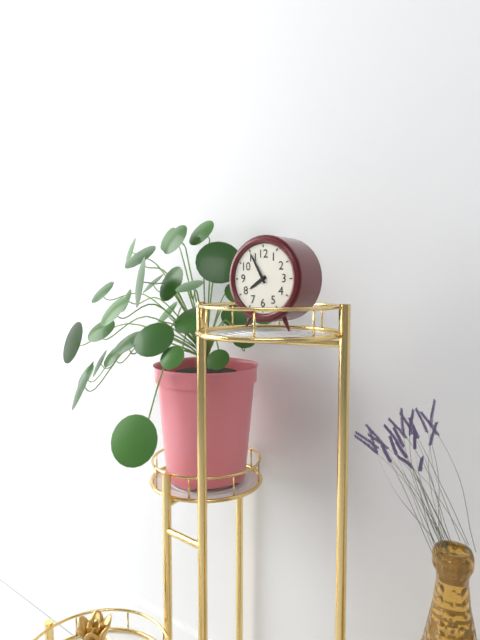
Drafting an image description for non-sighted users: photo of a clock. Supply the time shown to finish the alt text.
7:55
